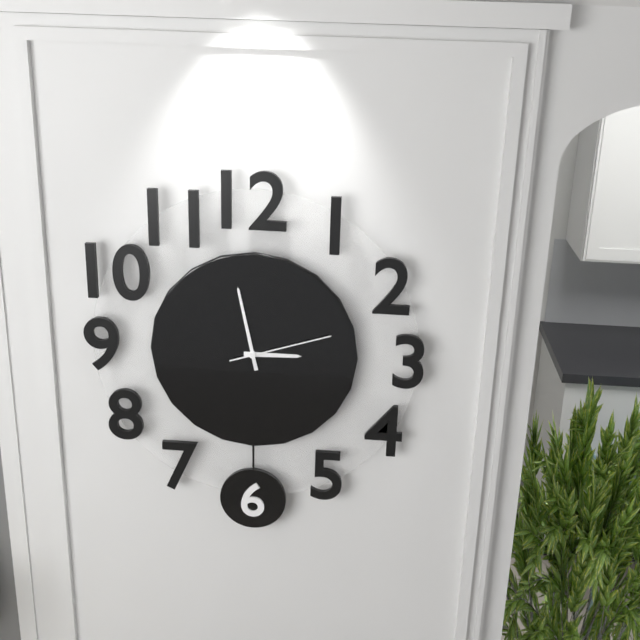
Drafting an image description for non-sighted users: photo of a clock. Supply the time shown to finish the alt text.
2:58:12
